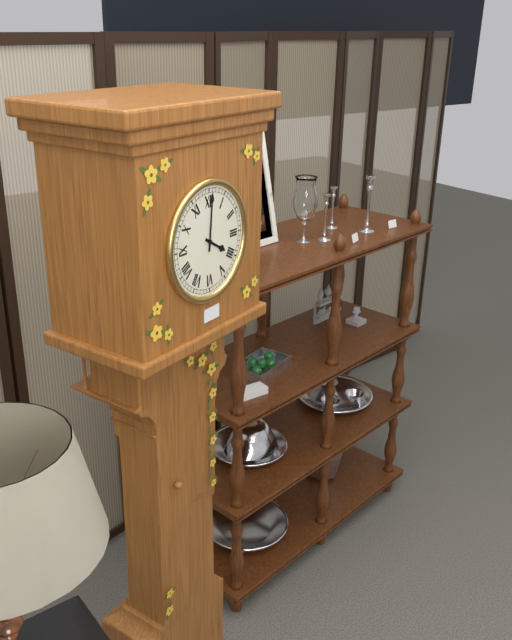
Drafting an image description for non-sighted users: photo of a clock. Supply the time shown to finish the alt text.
4:01
